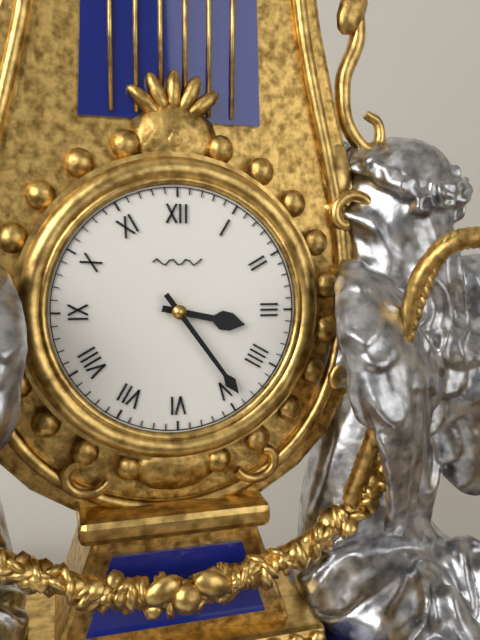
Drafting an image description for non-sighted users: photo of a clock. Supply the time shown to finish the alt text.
3:24
